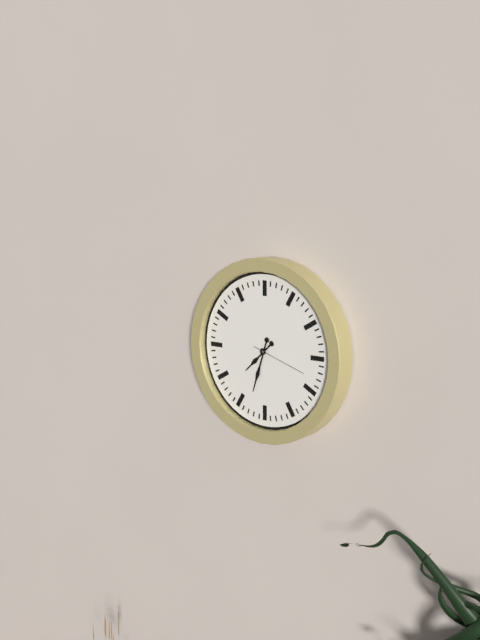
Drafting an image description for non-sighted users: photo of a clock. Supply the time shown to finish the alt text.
7:33:18
